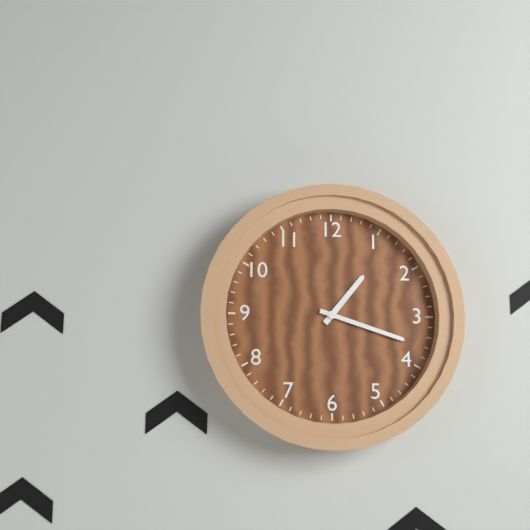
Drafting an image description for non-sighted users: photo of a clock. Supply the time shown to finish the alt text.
1:18
